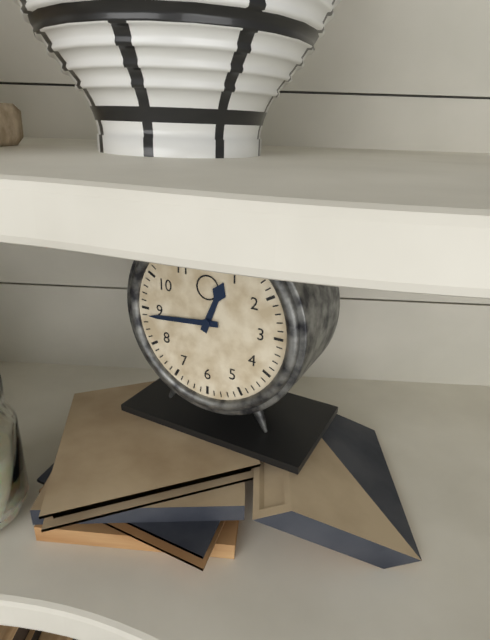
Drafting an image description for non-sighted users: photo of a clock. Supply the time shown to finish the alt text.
12:44
